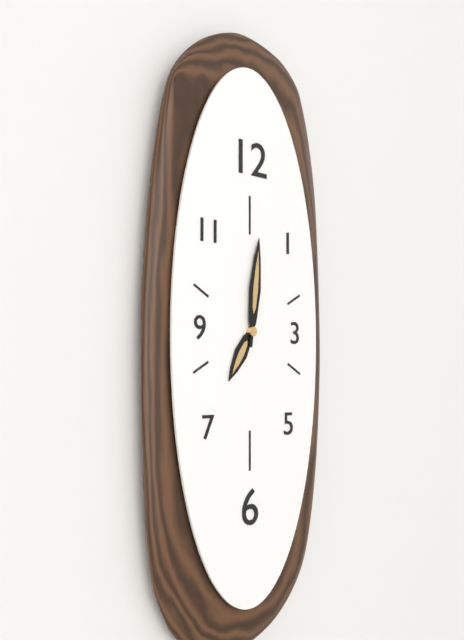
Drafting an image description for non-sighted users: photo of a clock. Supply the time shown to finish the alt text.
7:01
